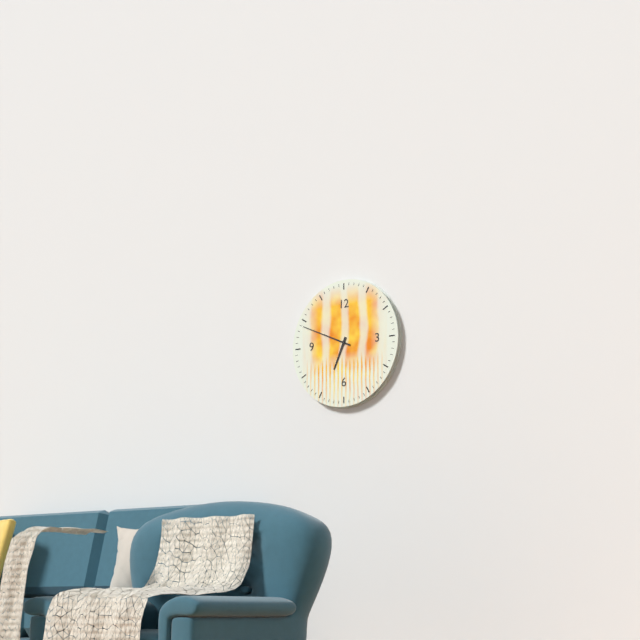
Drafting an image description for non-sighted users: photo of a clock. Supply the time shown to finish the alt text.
6:49
